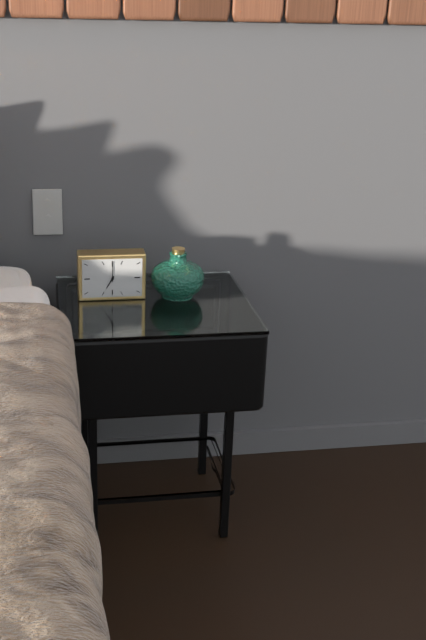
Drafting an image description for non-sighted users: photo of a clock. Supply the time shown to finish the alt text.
7:00
